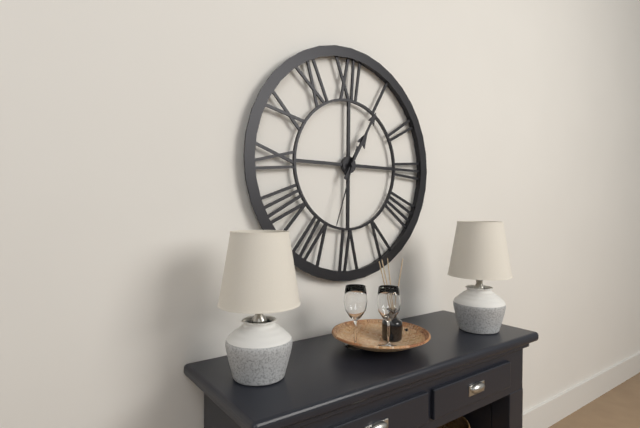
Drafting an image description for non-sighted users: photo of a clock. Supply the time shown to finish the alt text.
1:05:33
